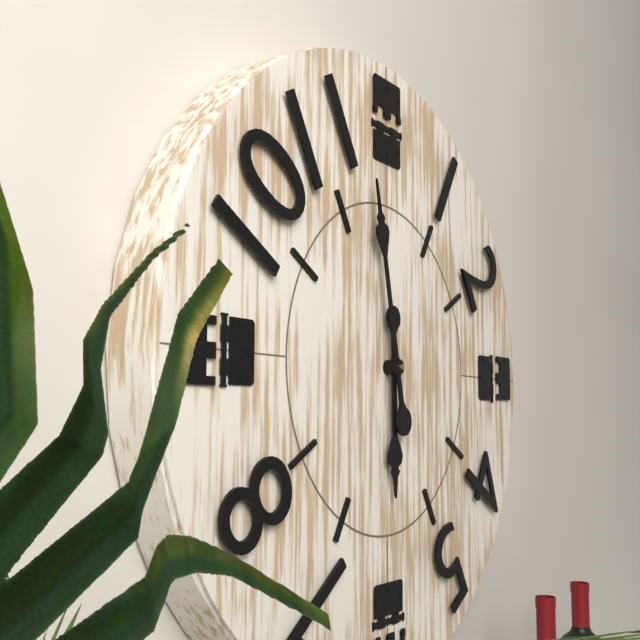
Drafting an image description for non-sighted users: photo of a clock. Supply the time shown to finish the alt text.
5:58
